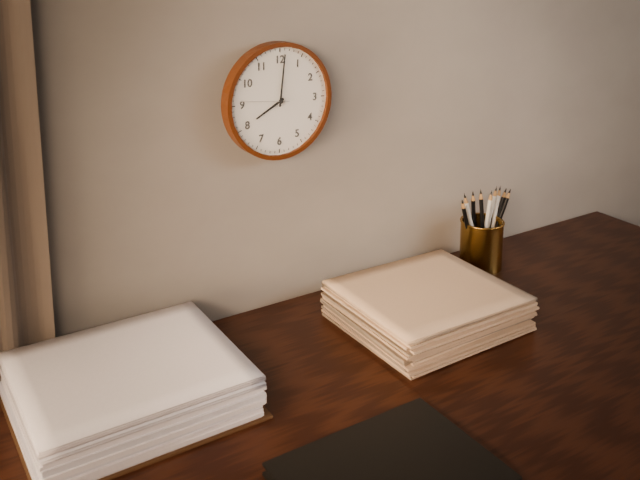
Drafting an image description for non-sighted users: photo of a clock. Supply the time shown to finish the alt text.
8:01
